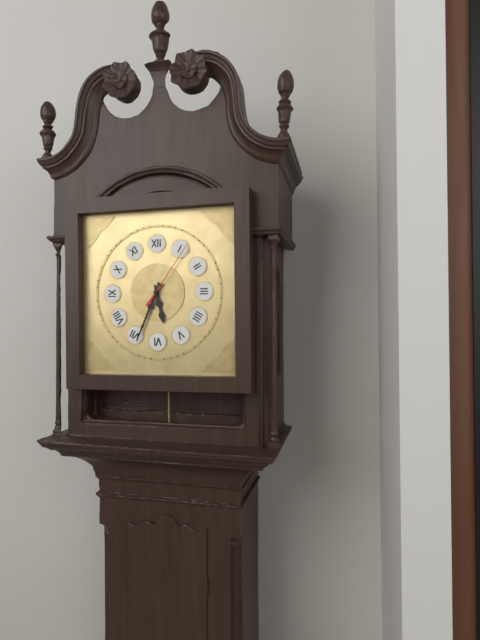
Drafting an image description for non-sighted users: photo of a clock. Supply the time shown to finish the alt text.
5:34:06
